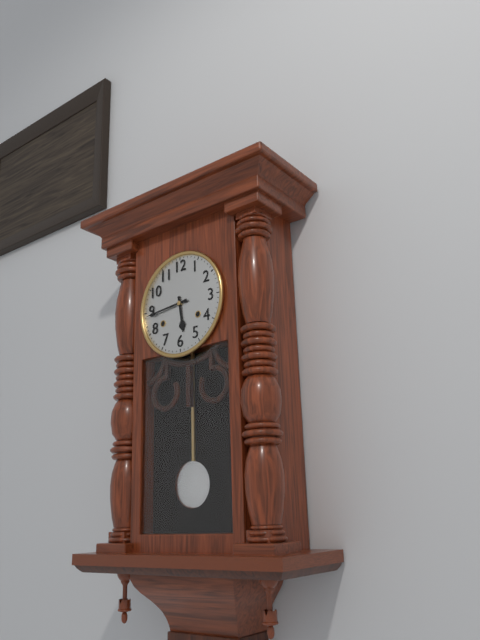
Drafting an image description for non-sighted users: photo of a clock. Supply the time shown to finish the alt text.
5:44
